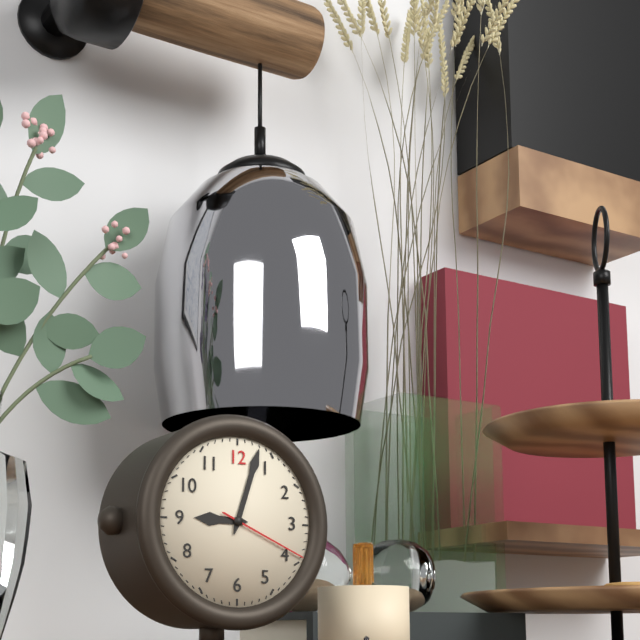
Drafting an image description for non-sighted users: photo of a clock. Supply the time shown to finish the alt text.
9:03:19
